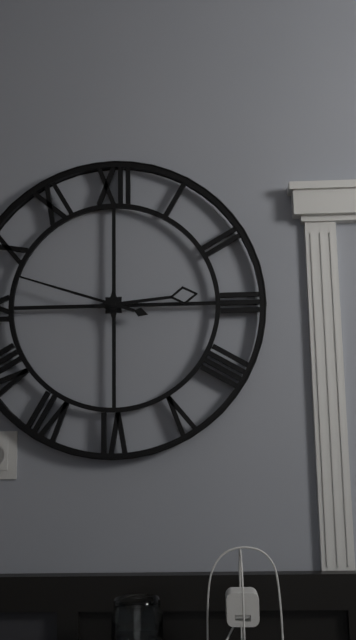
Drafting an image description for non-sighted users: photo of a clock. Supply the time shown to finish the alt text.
2:48
